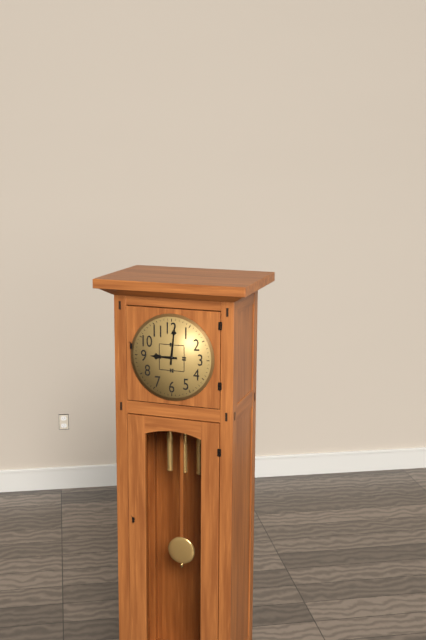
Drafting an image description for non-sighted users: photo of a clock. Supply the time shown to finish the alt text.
9:01
